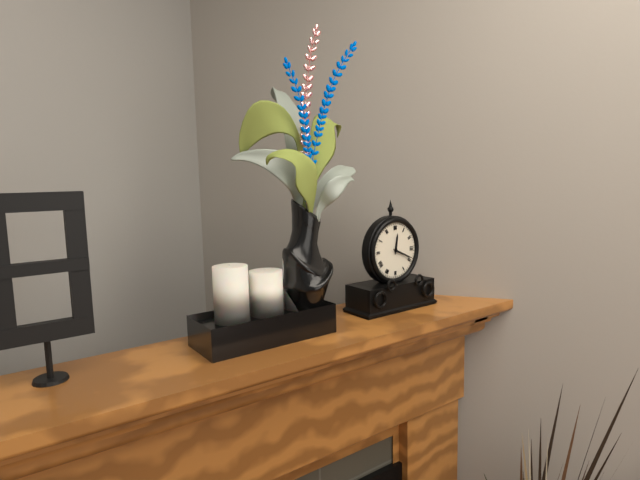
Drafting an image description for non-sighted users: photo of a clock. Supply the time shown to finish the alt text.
12:19
